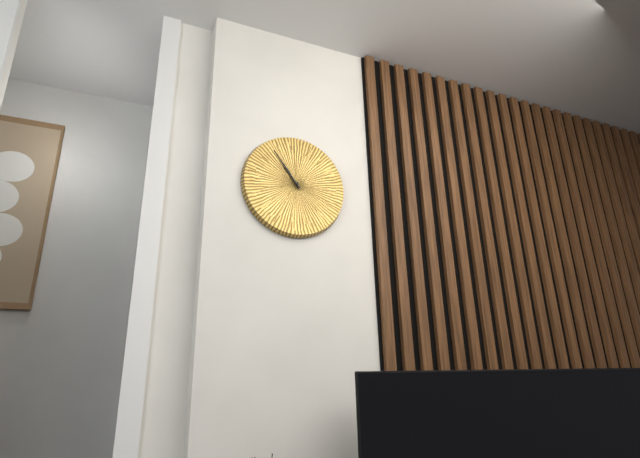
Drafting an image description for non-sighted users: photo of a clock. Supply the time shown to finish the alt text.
10:54
